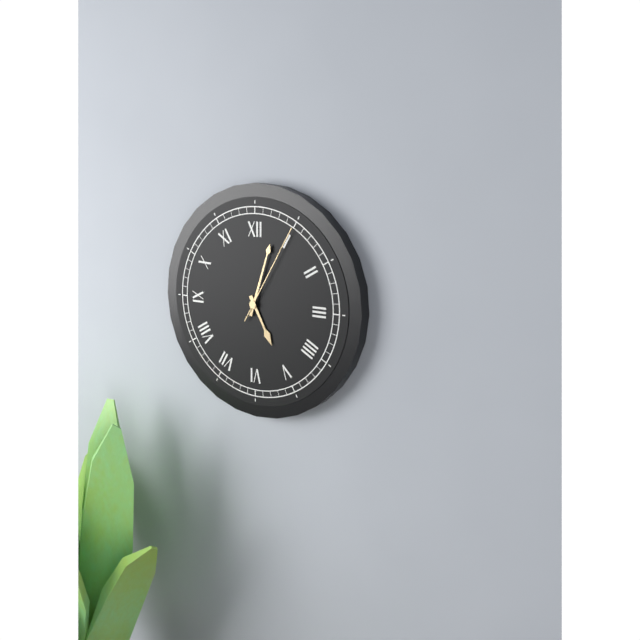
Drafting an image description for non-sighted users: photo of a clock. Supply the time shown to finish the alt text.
5:03:05
